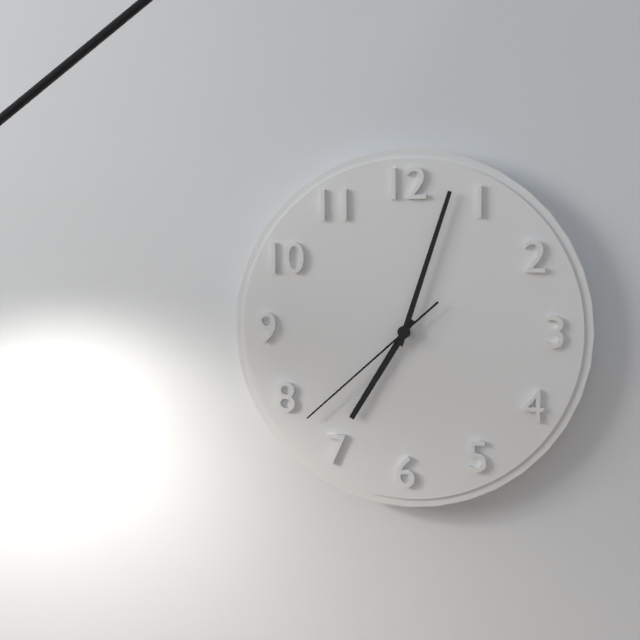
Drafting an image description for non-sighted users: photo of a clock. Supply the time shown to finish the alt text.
7:03:38
